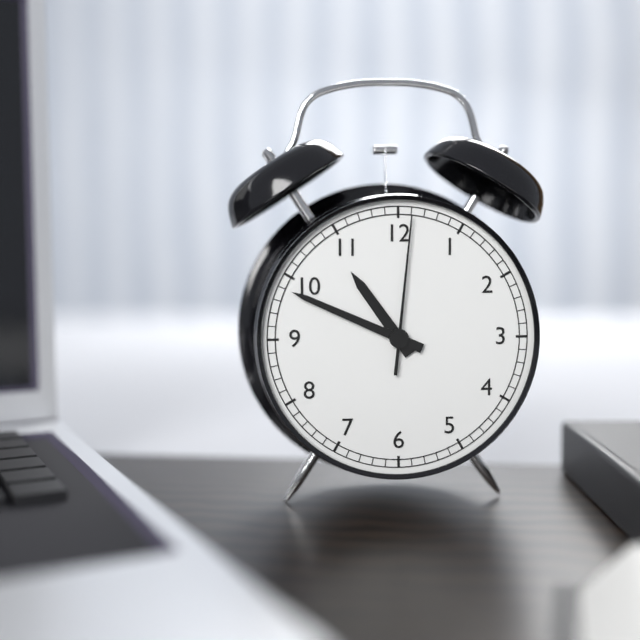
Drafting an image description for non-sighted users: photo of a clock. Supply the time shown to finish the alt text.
10:49:01
